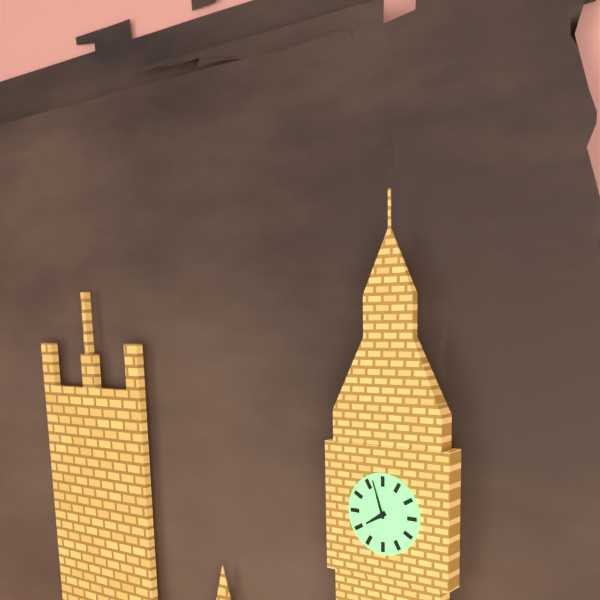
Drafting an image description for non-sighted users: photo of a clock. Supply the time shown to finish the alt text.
7:57
